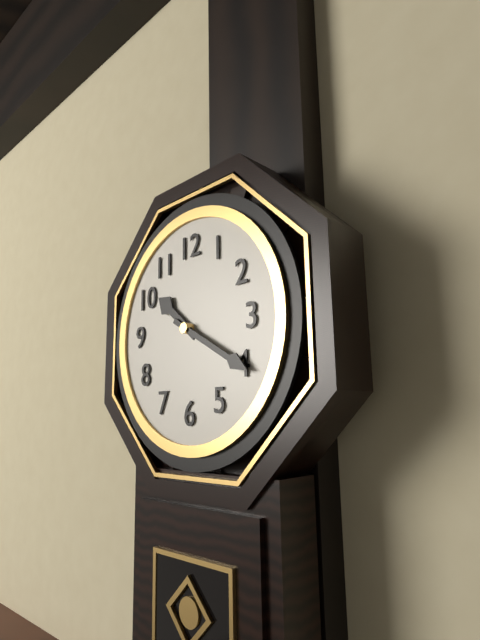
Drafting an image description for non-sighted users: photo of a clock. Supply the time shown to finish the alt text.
10:20
